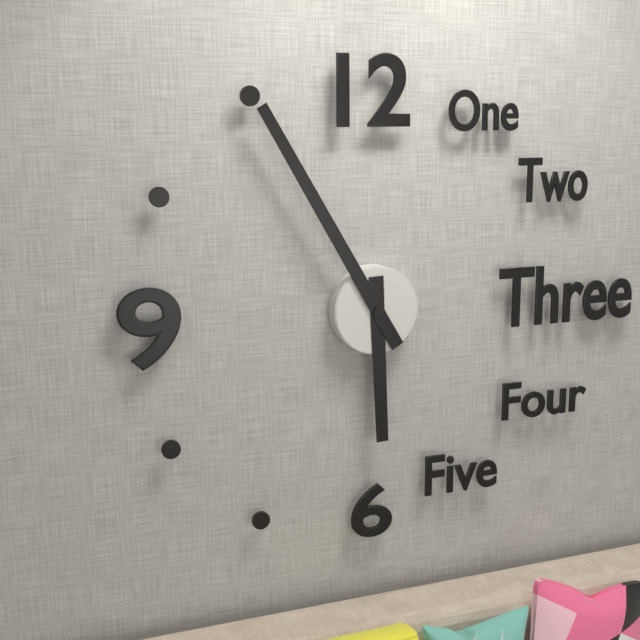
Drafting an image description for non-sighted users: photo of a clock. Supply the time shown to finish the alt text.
5:55
